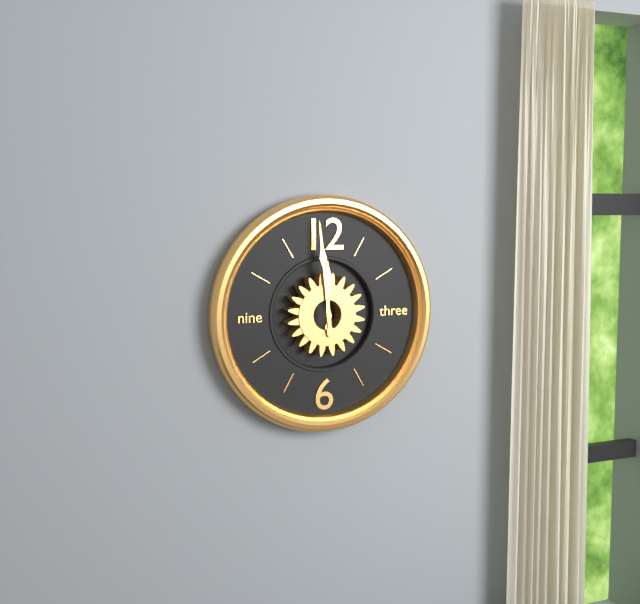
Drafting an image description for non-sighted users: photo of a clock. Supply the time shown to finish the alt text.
11:59
